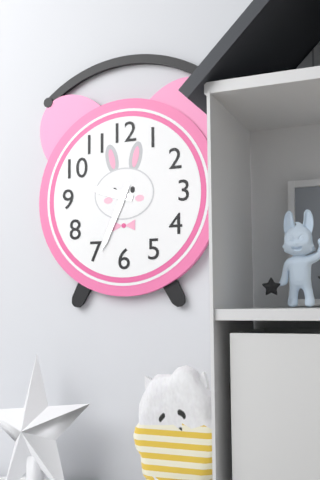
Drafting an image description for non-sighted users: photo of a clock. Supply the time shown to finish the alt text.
9:34
